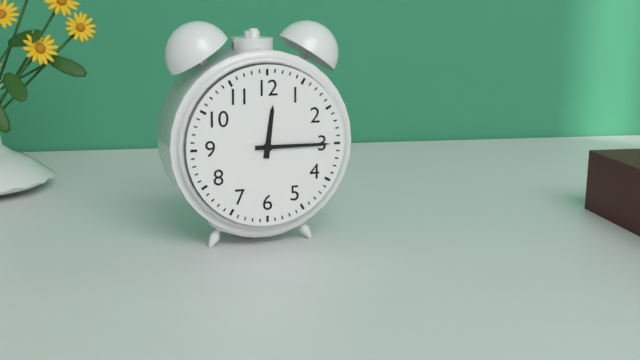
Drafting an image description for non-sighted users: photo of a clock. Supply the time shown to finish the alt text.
12:15
